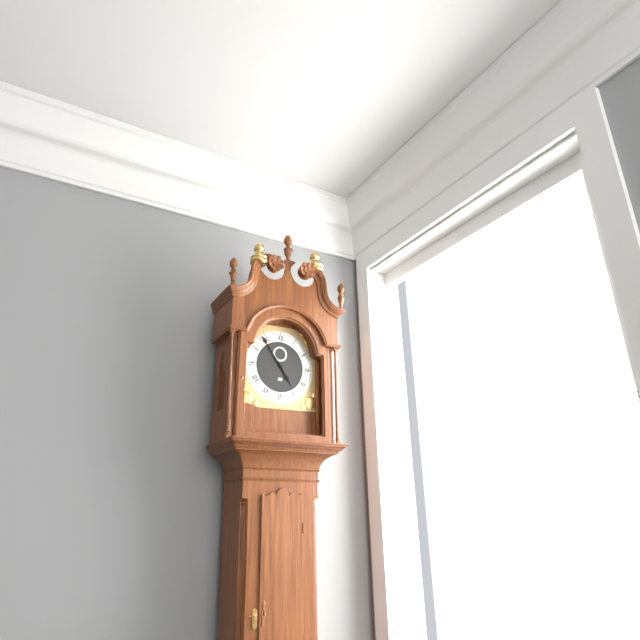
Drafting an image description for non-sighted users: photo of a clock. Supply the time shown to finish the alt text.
4:54
